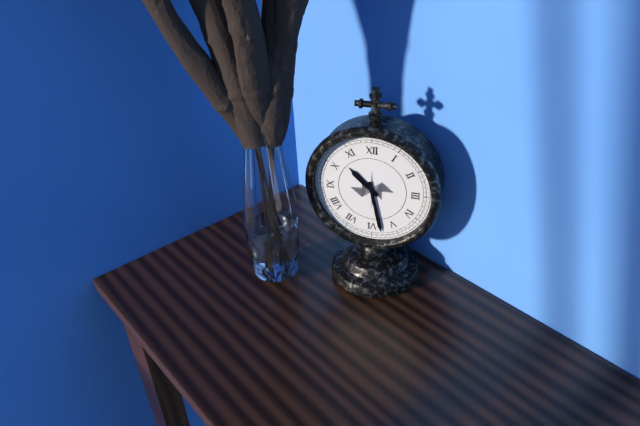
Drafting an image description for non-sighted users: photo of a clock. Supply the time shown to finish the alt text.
10:28
